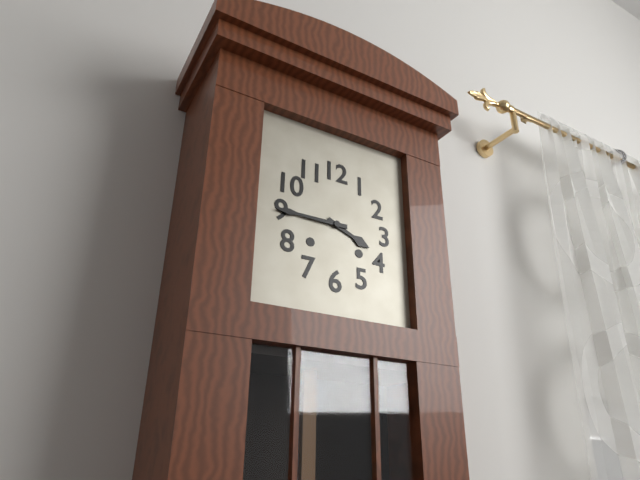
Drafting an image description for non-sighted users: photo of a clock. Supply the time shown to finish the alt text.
3:45
